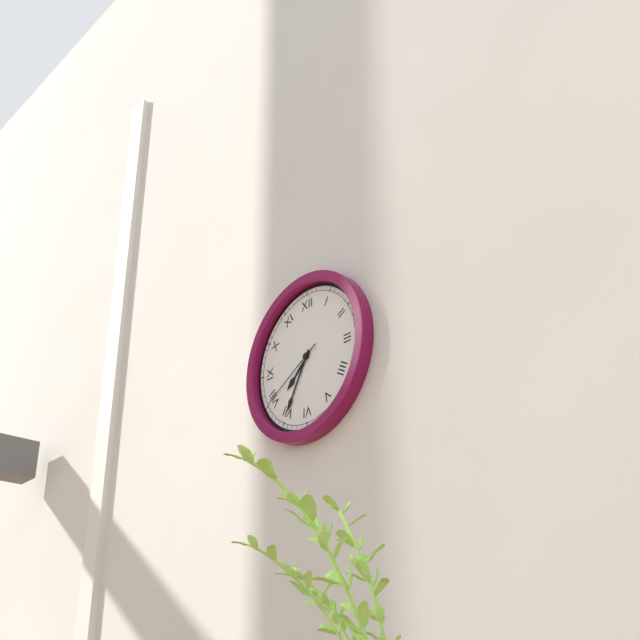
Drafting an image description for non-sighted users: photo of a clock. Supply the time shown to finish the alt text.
7:35:40
